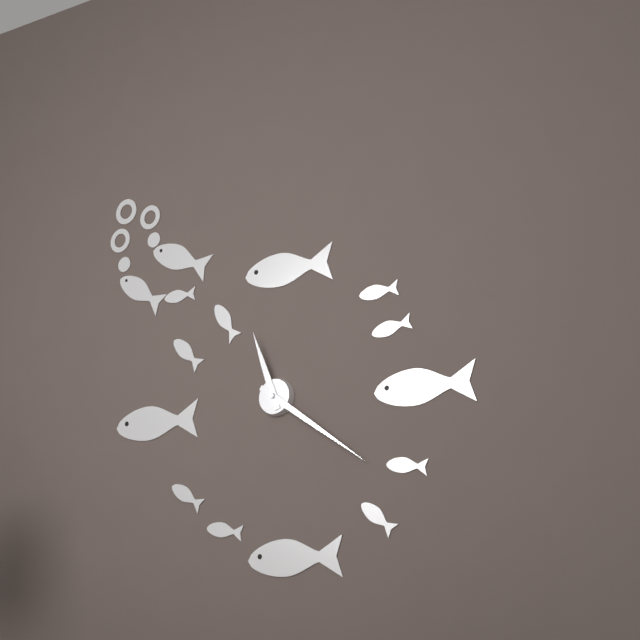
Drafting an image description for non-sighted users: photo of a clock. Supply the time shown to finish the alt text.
11:21
